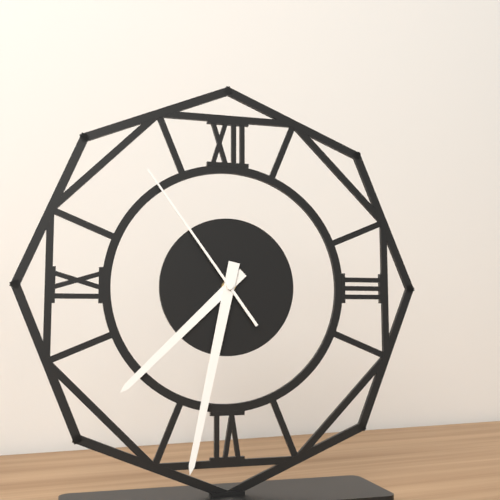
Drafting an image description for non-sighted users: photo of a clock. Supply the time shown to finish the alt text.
7:32:54
